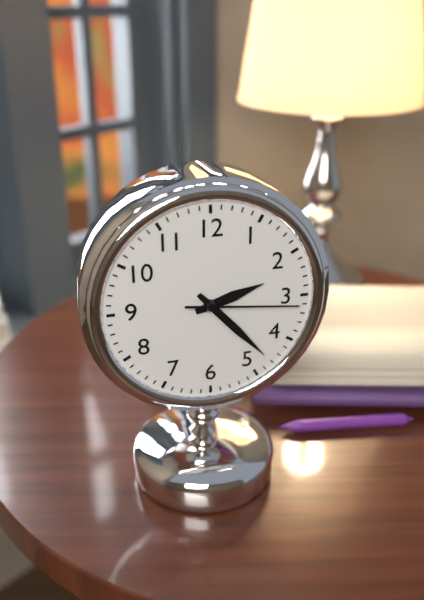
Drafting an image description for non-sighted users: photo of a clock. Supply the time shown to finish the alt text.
2:23:16
